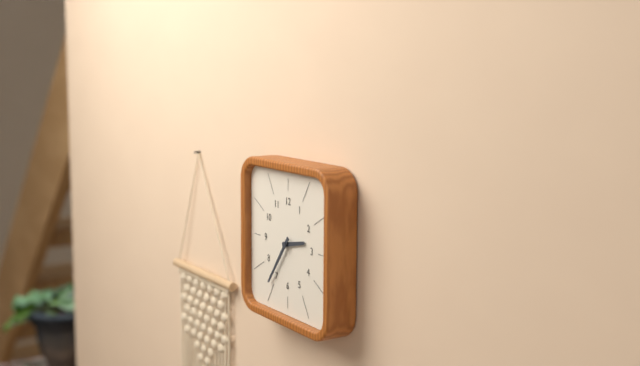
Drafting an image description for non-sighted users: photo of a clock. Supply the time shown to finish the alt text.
2:36
